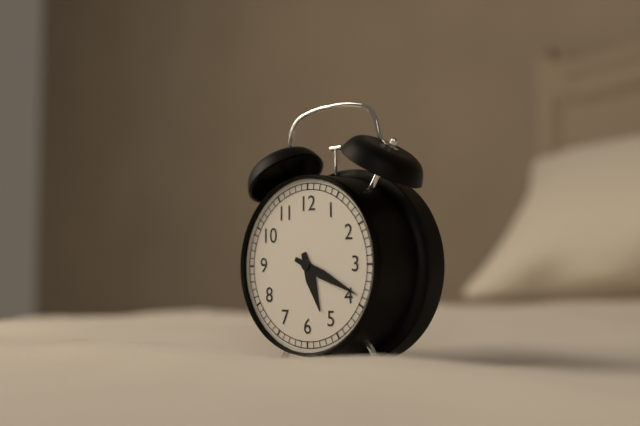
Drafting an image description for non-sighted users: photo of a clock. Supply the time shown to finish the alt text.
5:19
